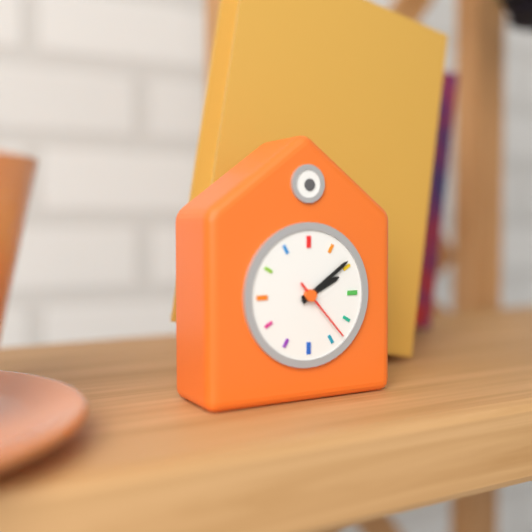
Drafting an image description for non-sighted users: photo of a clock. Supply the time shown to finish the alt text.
2:09:23
